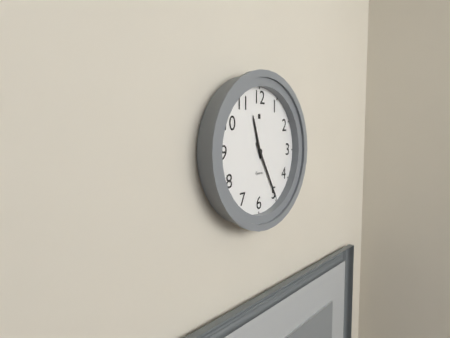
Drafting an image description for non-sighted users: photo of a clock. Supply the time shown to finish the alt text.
11:25
